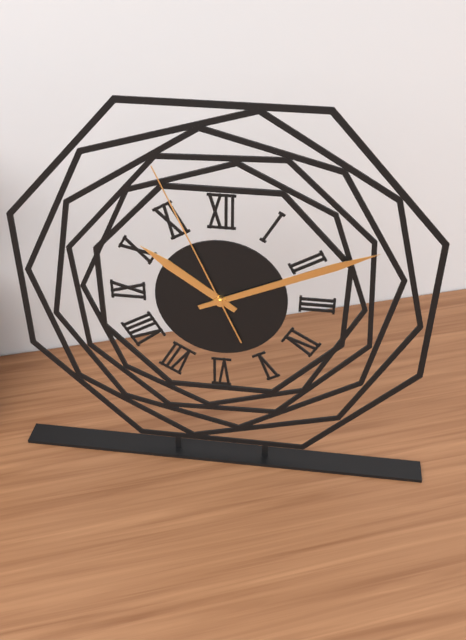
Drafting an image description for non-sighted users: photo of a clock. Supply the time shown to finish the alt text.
10:11:56
